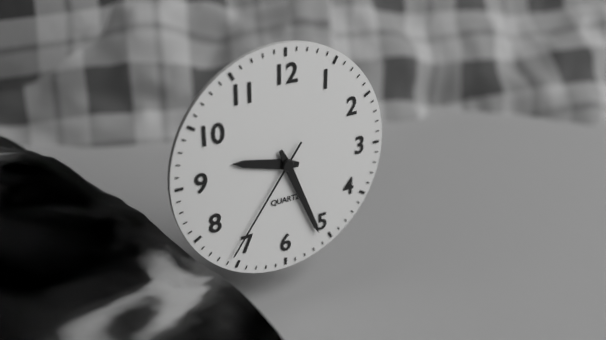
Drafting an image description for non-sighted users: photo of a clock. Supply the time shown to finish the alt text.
9:26:36
